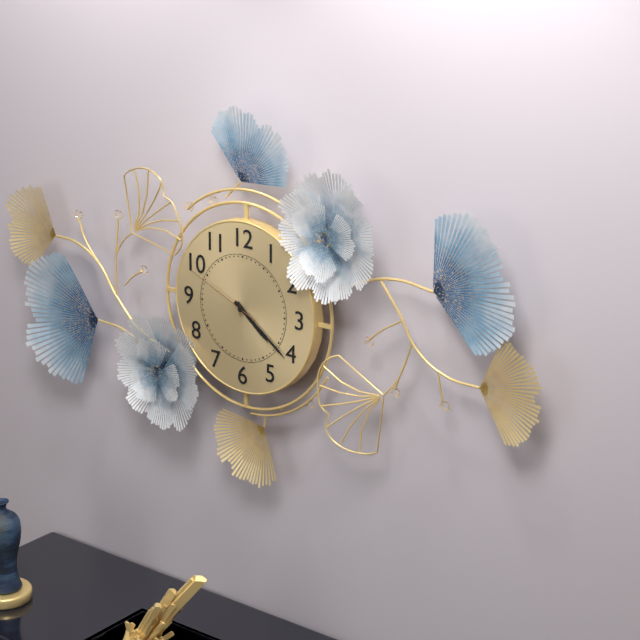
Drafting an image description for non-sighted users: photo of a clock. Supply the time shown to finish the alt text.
4:21:49
